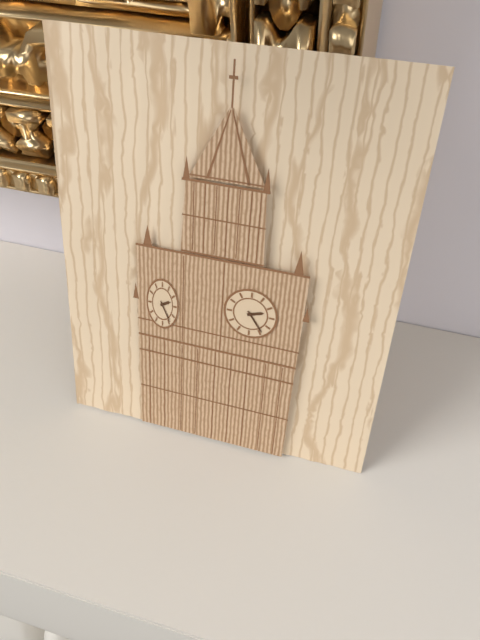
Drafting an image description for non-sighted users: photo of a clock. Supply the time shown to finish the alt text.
2:24
